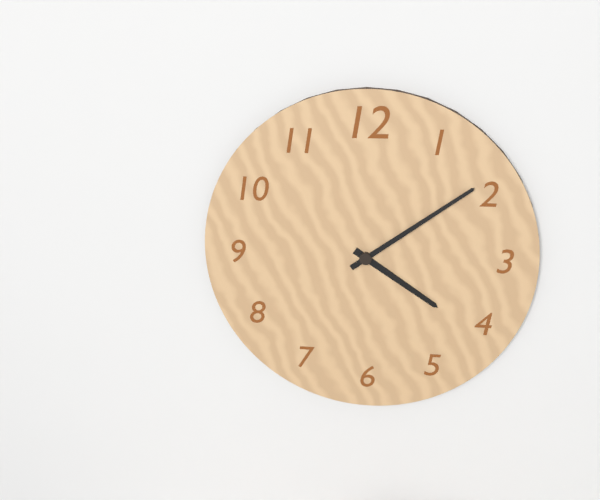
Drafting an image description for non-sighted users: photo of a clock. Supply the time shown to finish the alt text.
4:09
